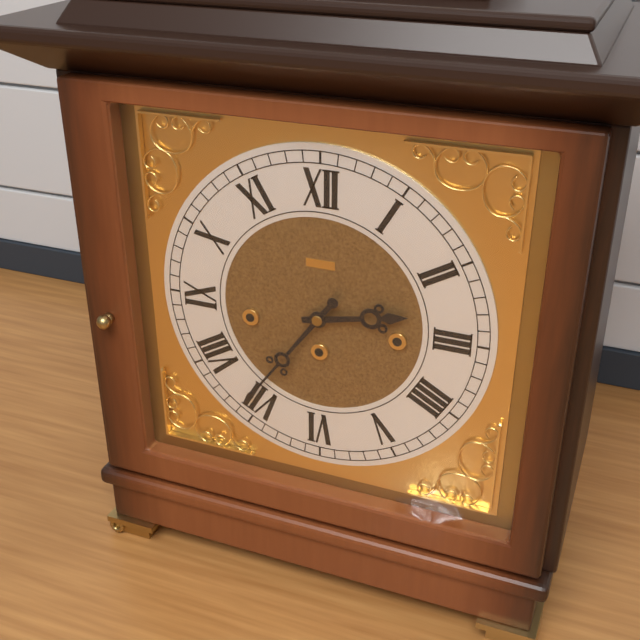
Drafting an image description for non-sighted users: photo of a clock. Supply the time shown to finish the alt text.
2:36
